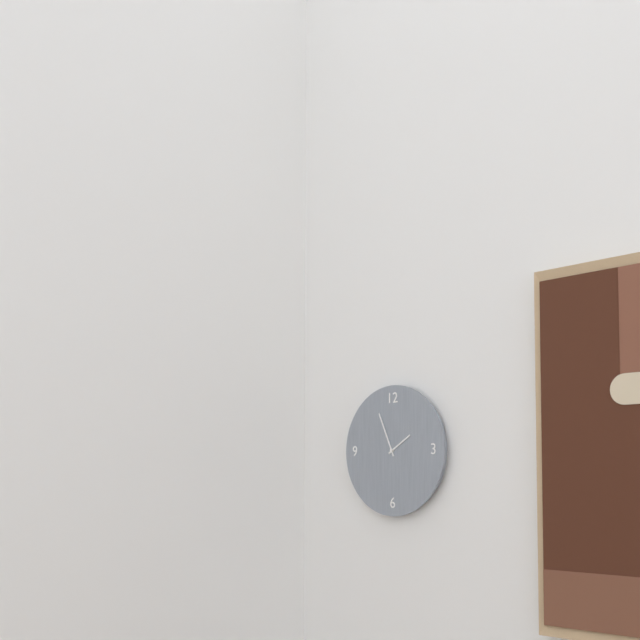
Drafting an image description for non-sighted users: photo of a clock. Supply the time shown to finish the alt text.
1:56
